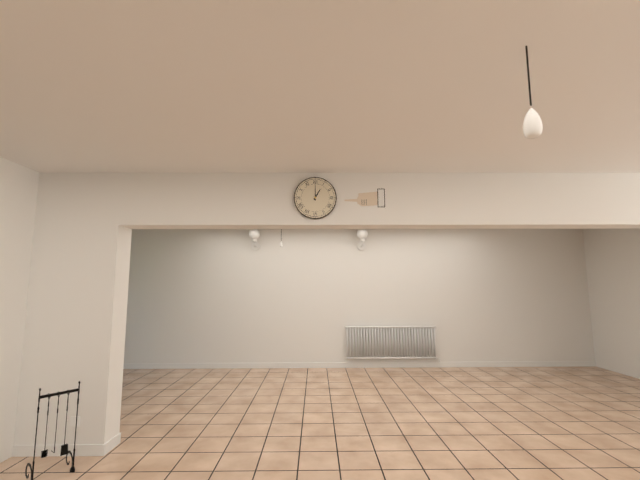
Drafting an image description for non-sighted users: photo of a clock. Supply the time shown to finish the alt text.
1:00
